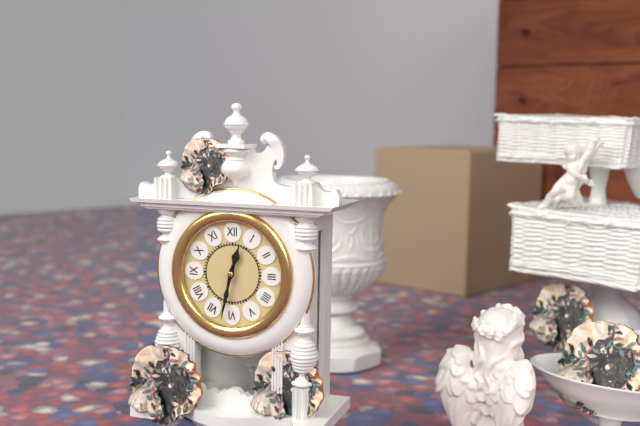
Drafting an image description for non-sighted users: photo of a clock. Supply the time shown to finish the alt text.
12:32
